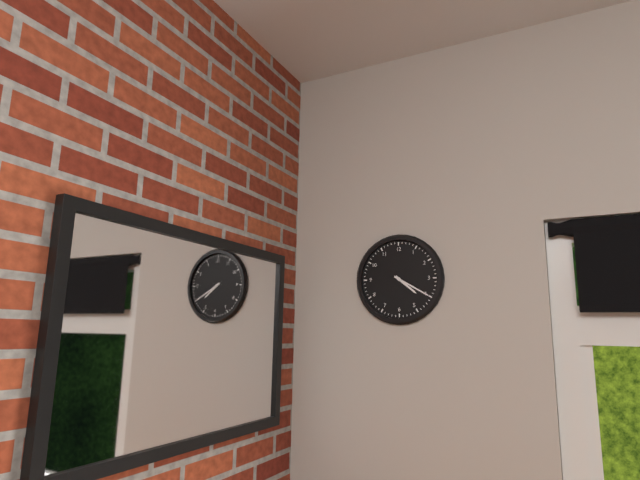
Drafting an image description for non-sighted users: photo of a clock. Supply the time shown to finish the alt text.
4:20
